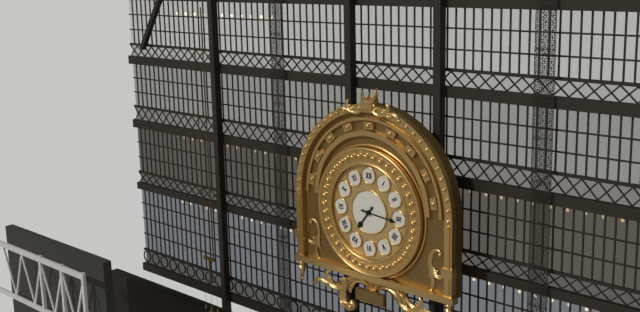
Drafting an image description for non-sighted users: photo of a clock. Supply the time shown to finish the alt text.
7:16
